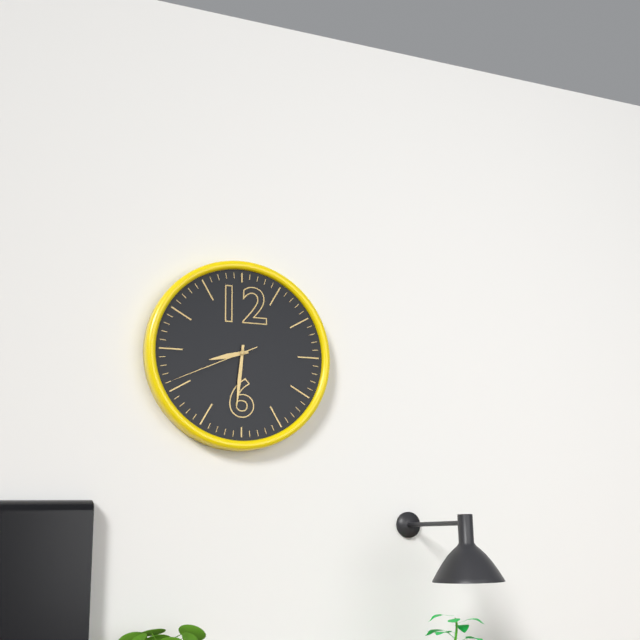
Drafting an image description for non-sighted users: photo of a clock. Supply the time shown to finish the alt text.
8:31:41
